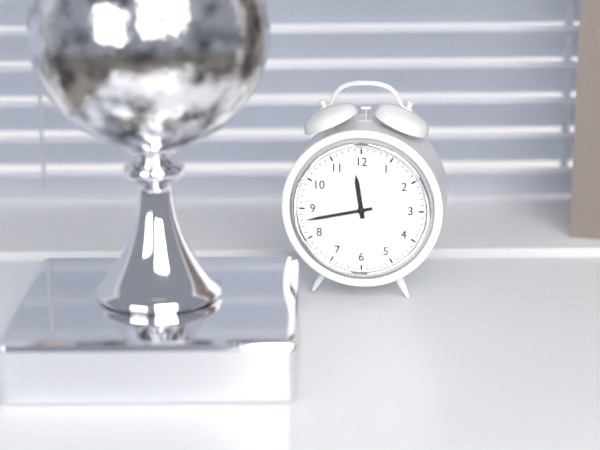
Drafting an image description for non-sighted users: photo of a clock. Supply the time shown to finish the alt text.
11:43
